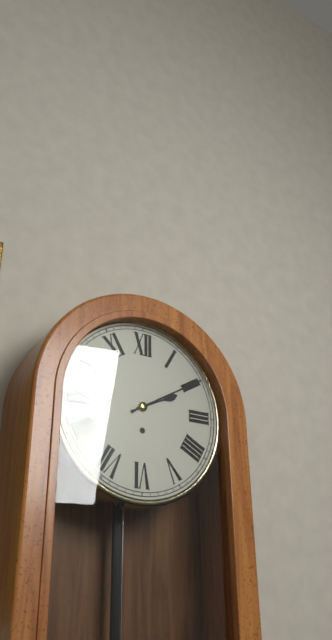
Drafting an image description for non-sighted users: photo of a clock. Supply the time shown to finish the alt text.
2:10
